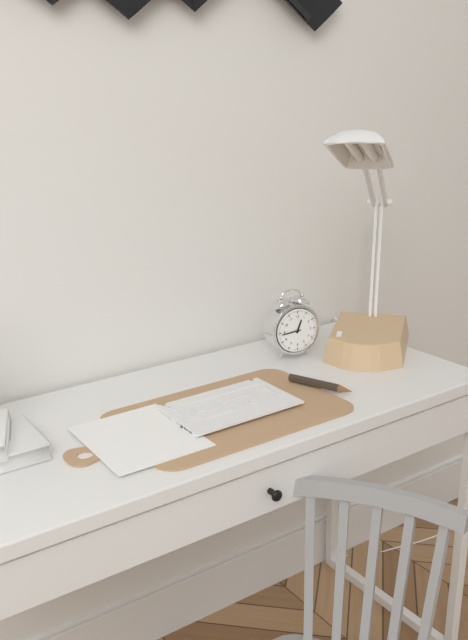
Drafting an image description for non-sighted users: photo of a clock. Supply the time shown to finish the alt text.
12:44
